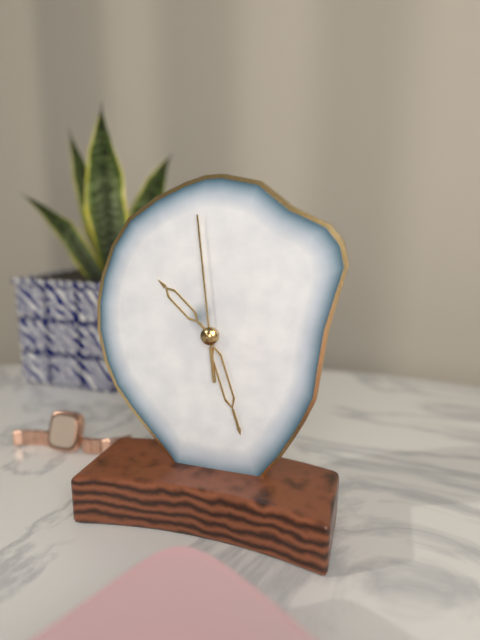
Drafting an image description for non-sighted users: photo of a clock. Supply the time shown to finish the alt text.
10:27:59
